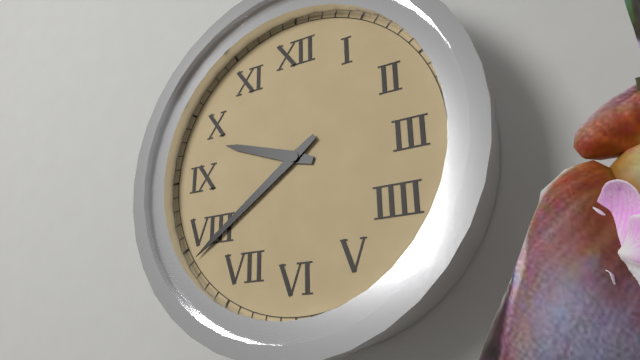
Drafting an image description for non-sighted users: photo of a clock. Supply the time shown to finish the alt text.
9:39
